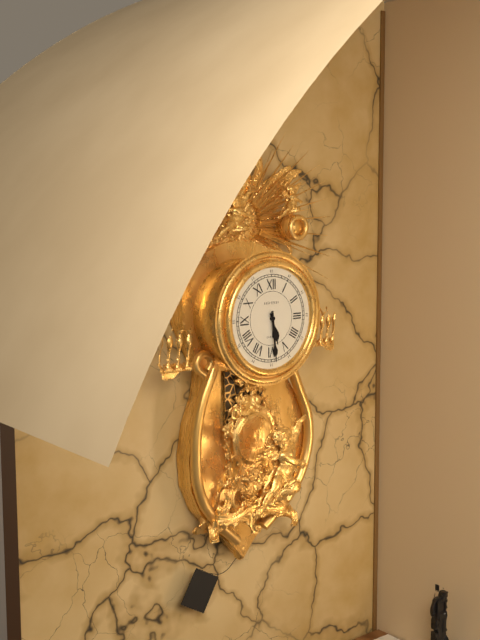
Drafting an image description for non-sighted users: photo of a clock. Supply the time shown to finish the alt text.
5:29
